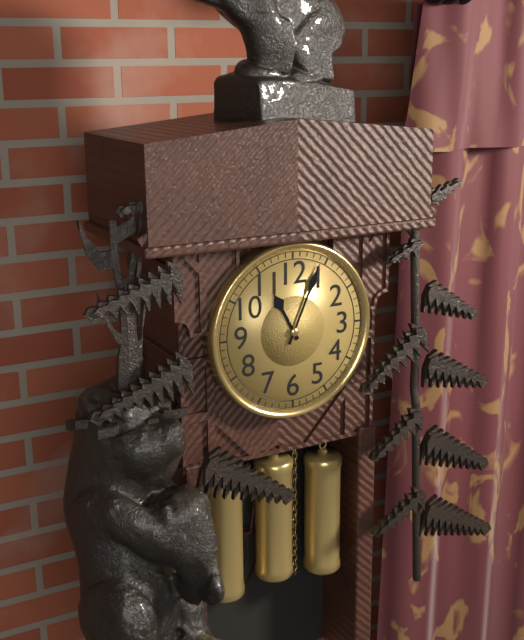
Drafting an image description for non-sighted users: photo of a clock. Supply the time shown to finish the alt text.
11:04
